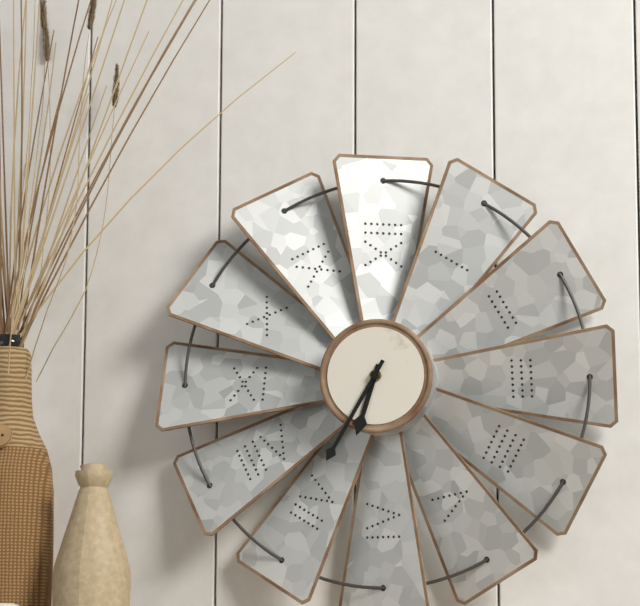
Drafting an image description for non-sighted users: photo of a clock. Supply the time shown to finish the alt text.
6:35
